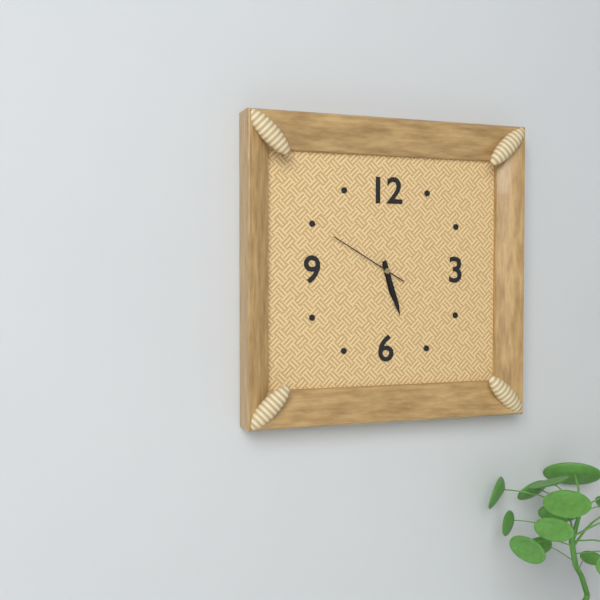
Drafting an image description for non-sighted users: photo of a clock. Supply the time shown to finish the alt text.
5:27:50
